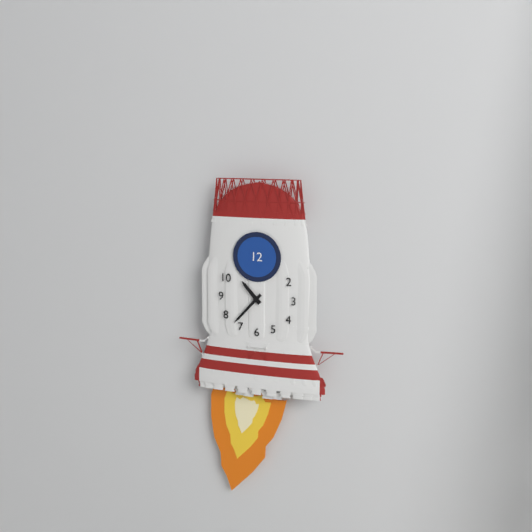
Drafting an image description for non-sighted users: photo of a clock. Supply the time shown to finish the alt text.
10:37
